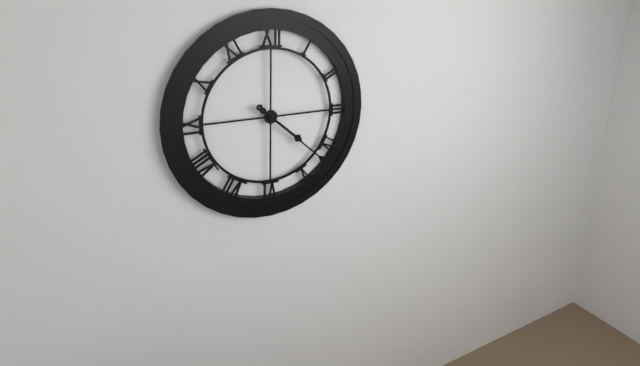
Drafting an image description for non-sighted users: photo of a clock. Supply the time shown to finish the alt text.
4:22
